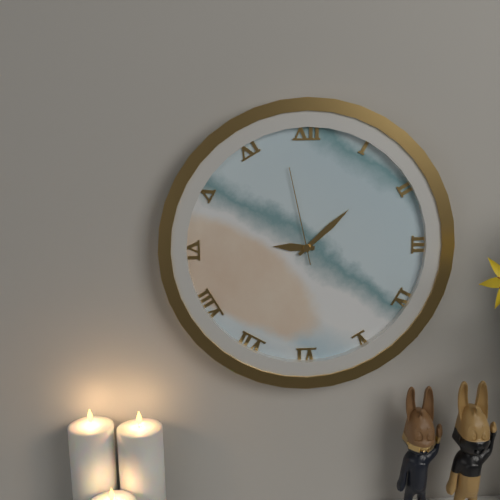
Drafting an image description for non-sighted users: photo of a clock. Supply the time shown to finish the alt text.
9:08:58
